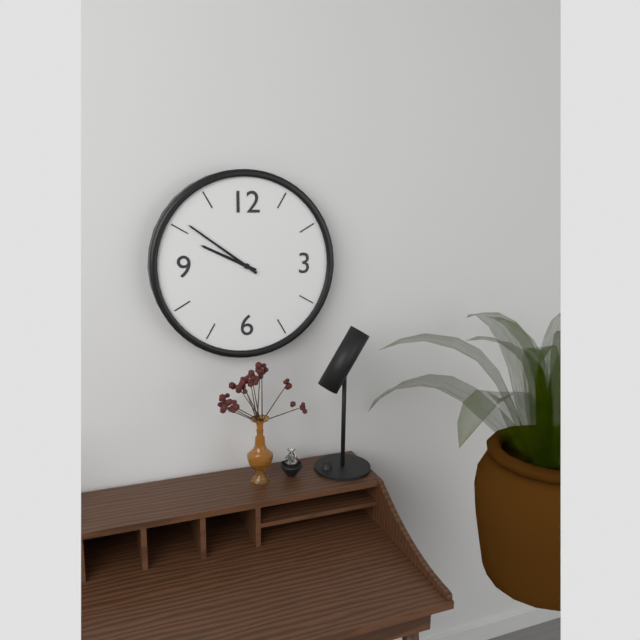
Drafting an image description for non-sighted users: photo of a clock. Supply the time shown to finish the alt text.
9:51
